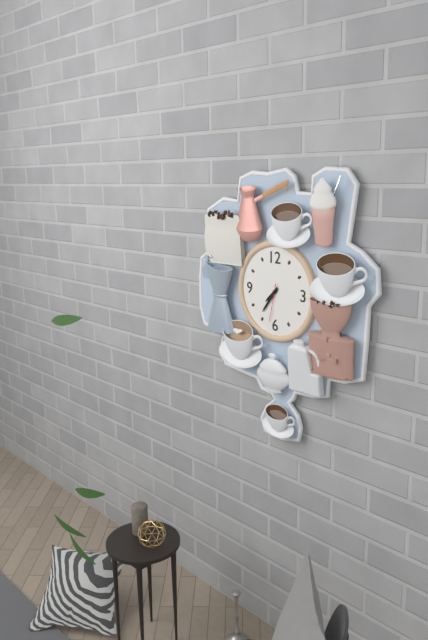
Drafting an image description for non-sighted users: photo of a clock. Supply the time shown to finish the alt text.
7:36
